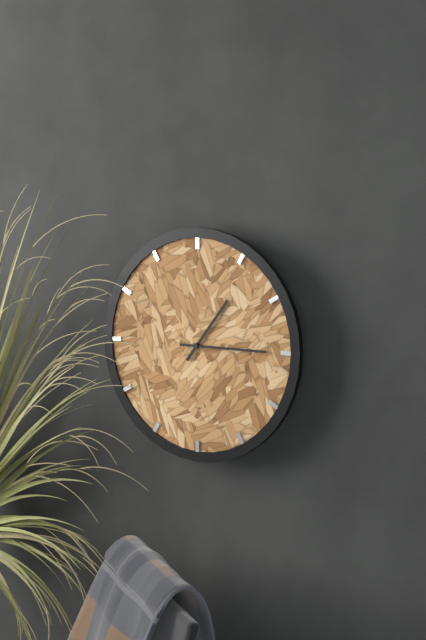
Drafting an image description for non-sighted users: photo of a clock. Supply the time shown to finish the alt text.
1:15
